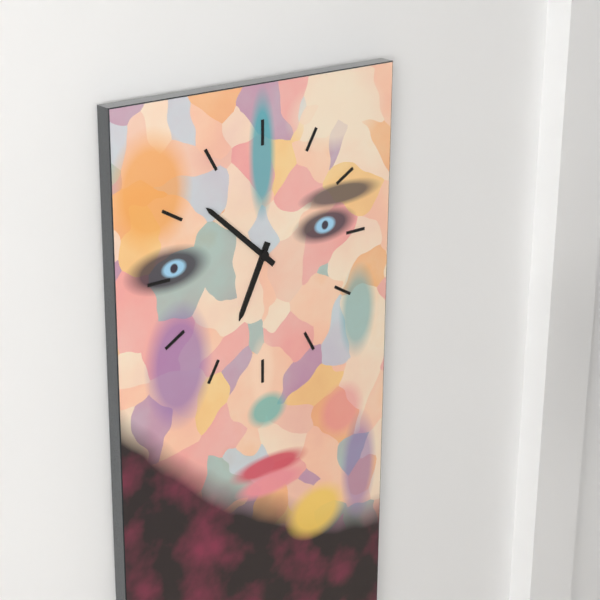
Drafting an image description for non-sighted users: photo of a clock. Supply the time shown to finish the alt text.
6:52
